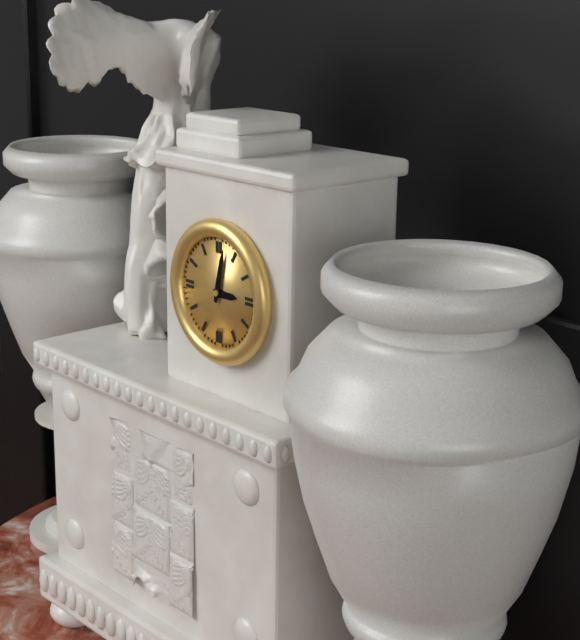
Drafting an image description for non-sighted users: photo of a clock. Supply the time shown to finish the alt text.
3:02
